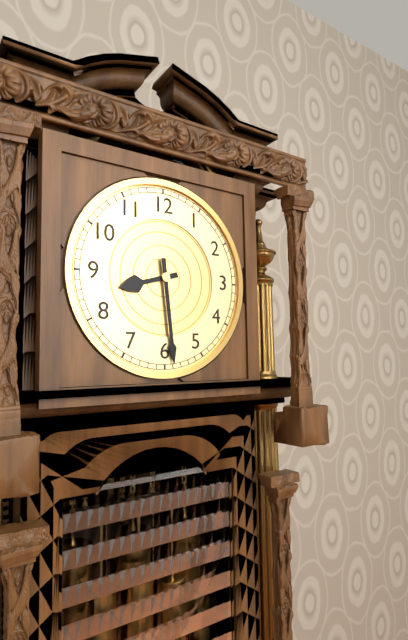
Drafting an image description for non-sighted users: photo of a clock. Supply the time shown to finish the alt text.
8:29
